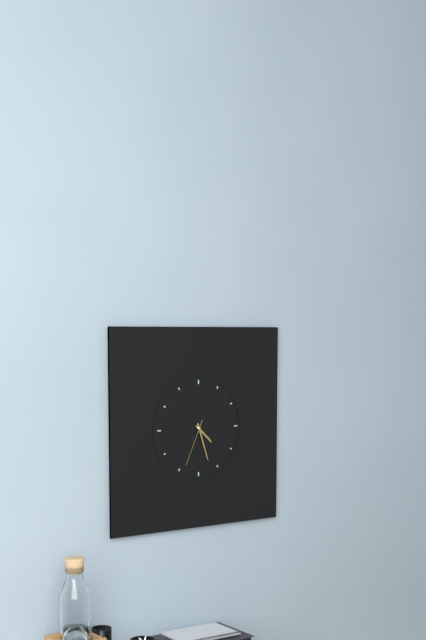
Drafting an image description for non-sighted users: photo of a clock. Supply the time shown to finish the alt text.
4:27:34
